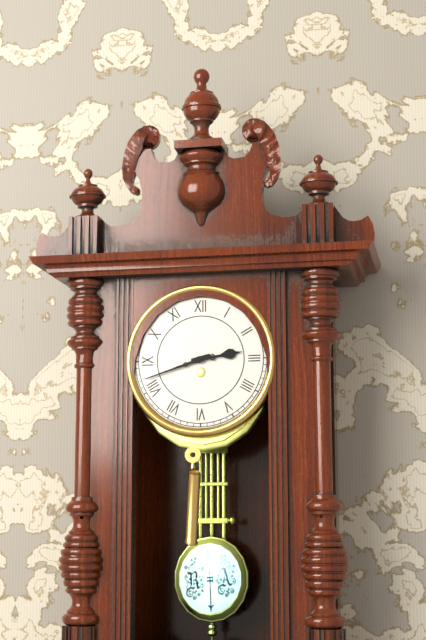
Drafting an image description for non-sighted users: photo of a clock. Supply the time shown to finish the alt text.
2:42
